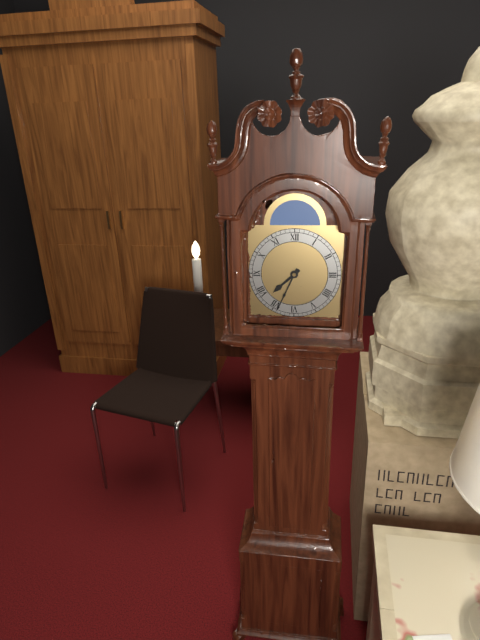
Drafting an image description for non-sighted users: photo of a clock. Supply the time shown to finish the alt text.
7:34
